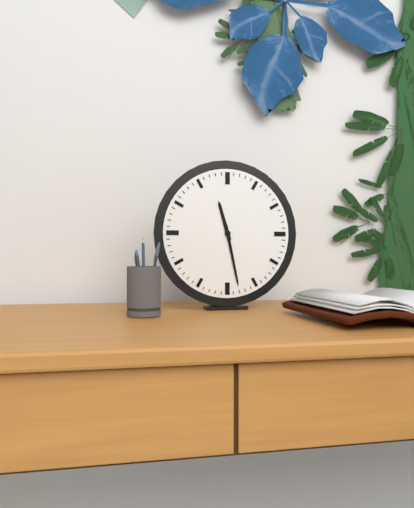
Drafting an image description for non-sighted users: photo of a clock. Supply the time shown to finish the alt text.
11:28
